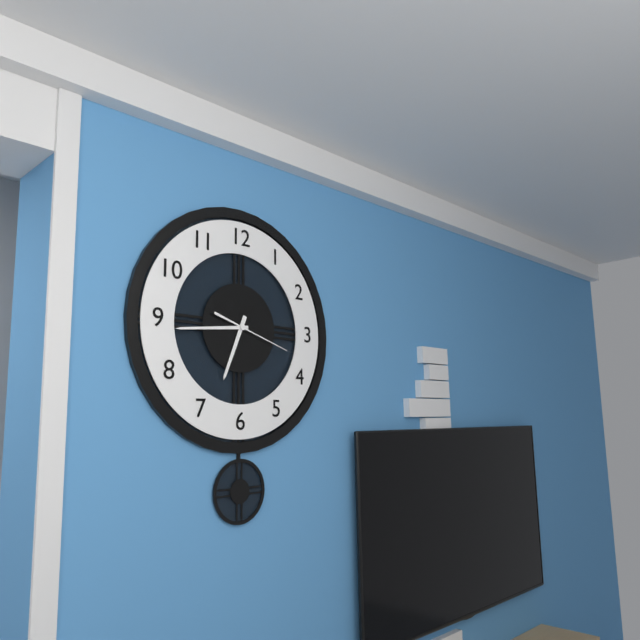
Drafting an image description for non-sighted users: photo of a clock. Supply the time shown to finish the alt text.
6:44:18
